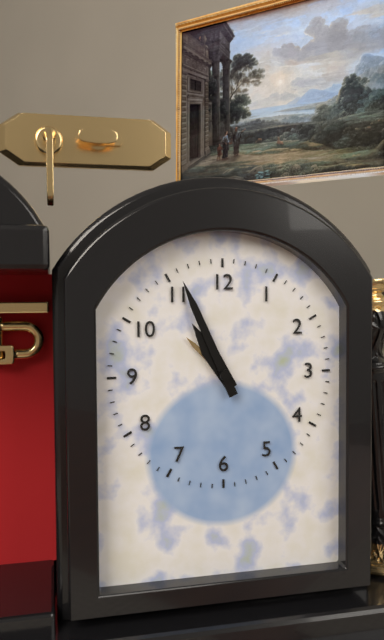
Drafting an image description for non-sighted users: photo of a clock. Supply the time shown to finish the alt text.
10:56
